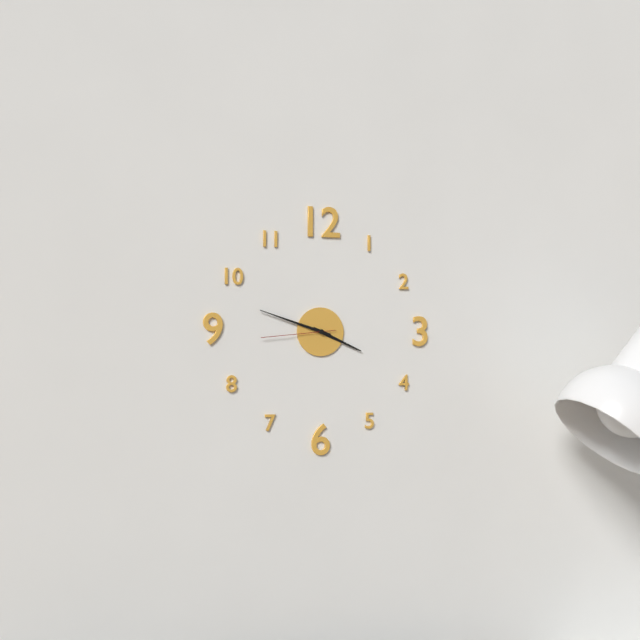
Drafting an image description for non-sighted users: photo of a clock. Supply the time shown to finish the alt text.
3:48:44
